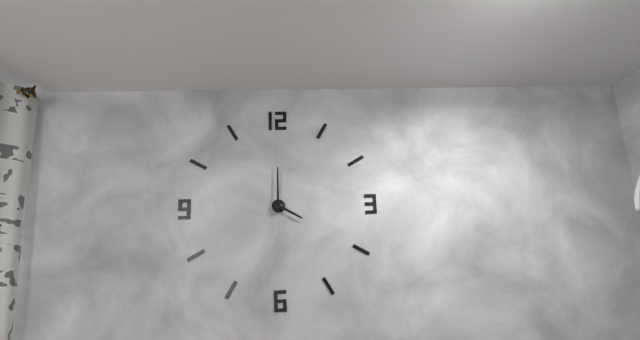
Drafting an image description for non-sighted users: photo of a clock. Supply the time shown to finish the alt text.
4:00
